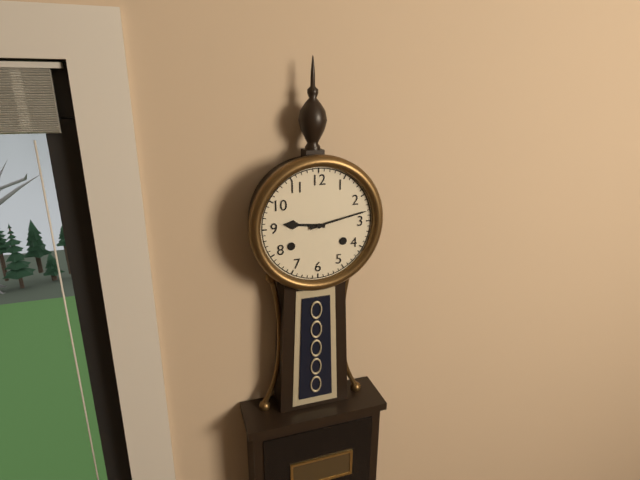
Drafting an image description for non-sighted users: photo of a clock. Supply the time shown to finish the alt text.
9:13
